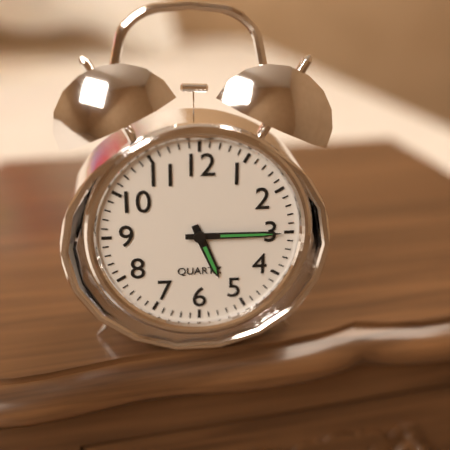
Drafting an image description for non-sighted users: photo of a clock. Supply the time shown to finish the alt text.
5:15
